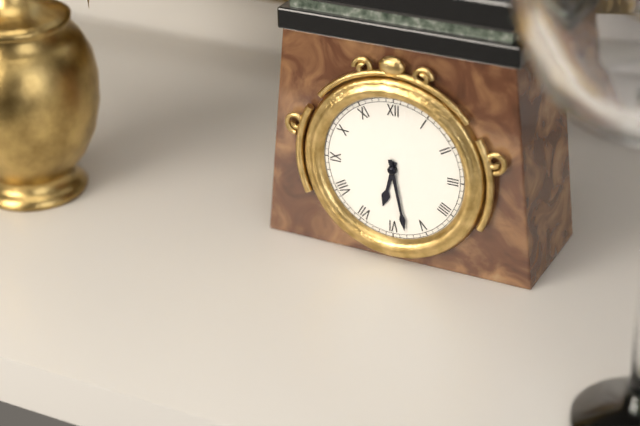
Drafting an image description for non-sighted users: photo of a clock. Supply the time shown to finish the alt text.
6:28
